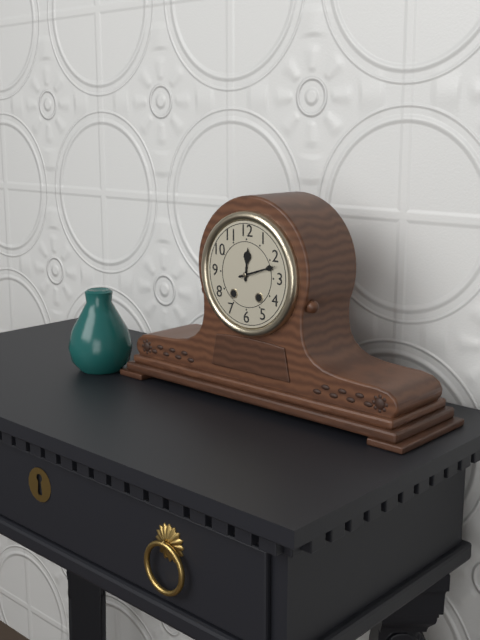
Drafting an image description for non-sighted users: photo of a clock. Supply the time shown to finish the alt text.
12:12
